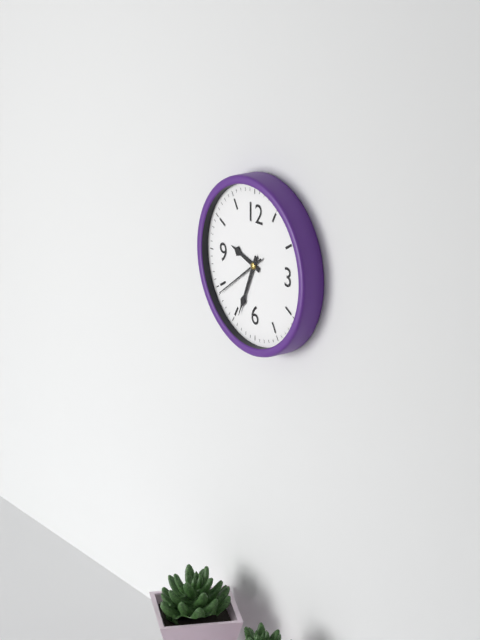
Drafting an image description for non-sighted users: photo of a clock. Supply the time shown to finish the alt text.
9:34:39
